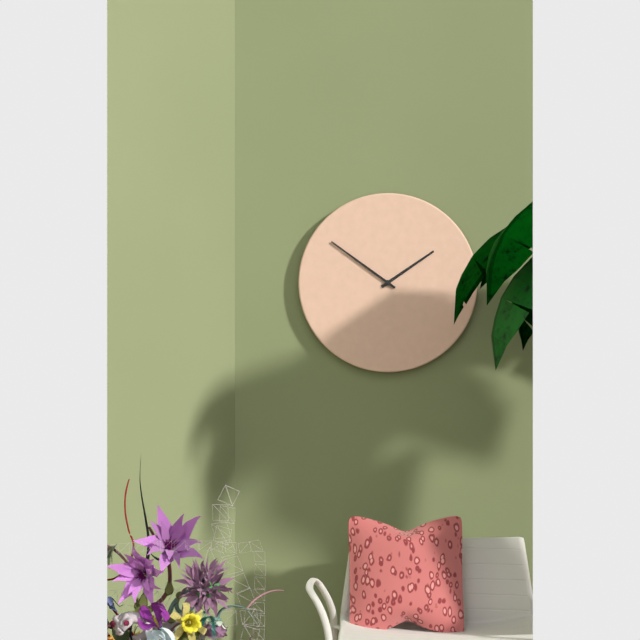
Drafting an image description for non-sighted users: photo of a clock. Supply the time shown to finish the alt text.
1:51
